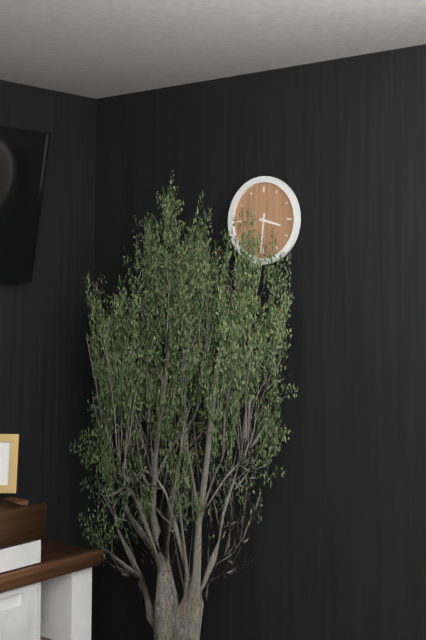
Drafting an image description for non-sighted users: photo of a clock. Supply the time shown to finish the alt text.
3:31
